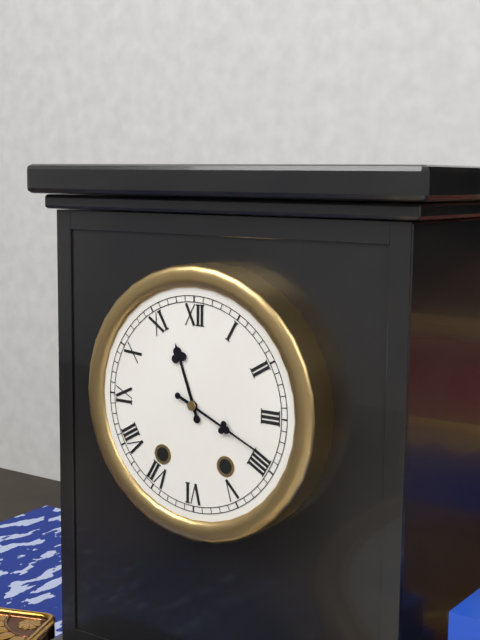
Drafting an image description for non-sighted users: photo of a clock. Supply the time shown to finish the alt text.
11:19
